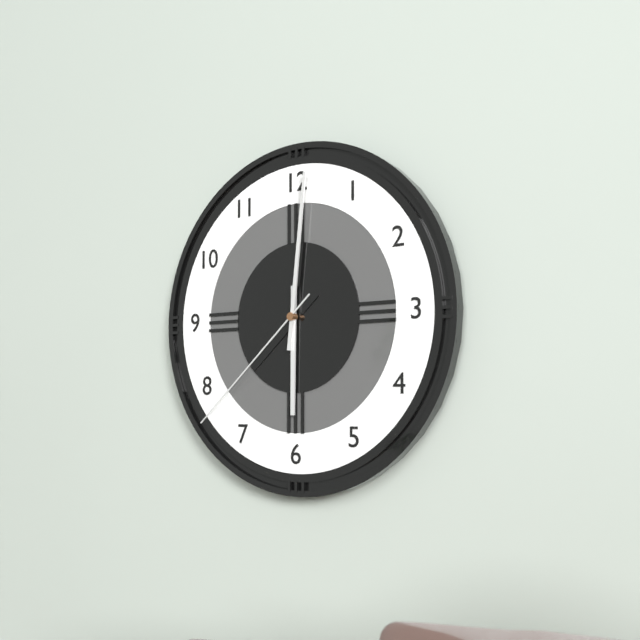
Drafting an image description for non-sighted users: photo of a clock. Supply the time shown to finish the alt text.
6:01:38
